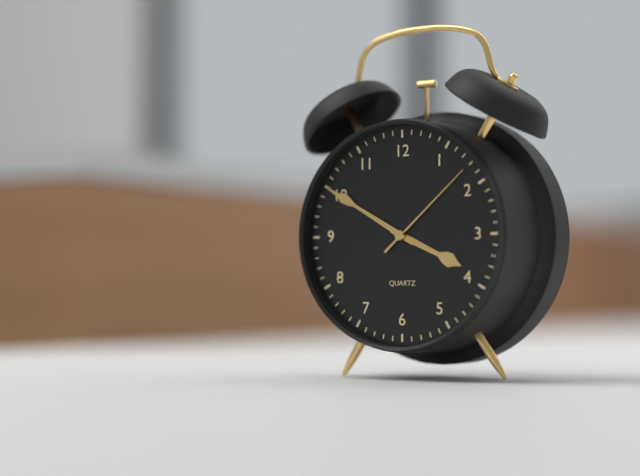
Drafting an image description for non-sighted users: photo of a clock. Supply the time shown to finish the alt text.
3:50:08
